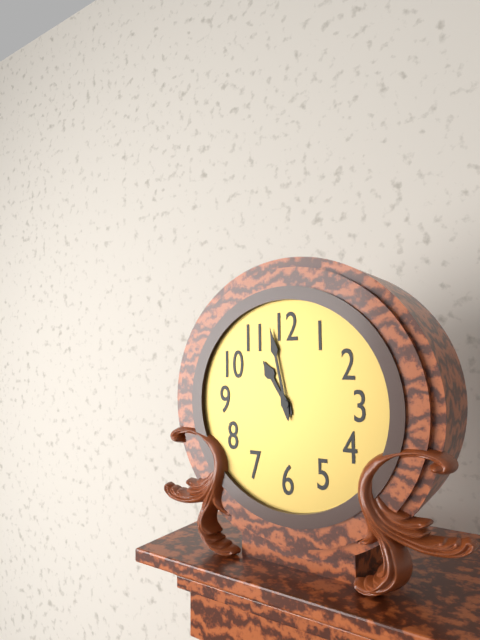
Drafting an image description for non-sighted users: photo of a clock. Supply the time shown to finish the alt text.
10:58
